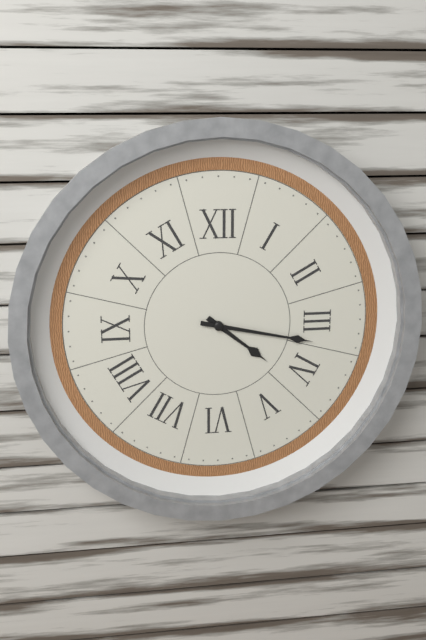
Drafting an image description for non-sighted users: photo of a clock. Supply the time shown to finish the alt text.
4:17
